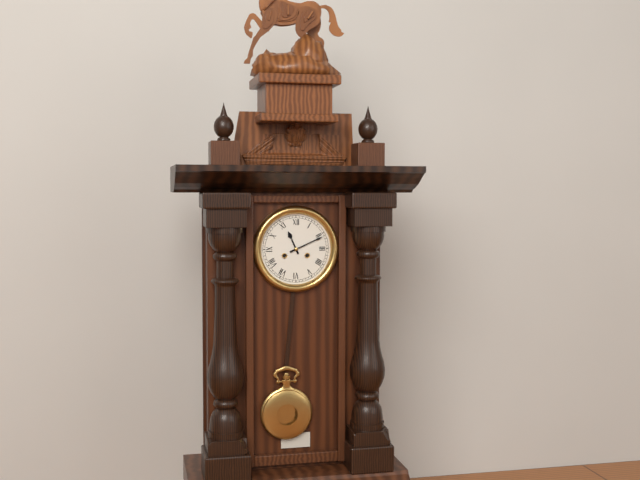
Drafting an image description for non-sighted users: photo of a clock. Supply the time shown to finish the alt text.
11:11
